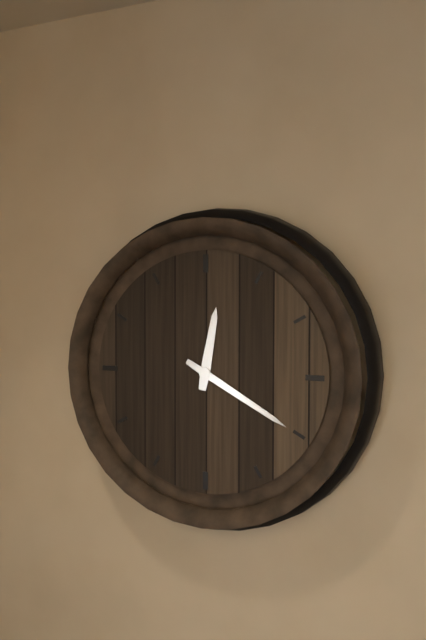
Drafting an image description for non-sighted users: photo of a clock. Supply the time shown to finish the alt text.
12:20
